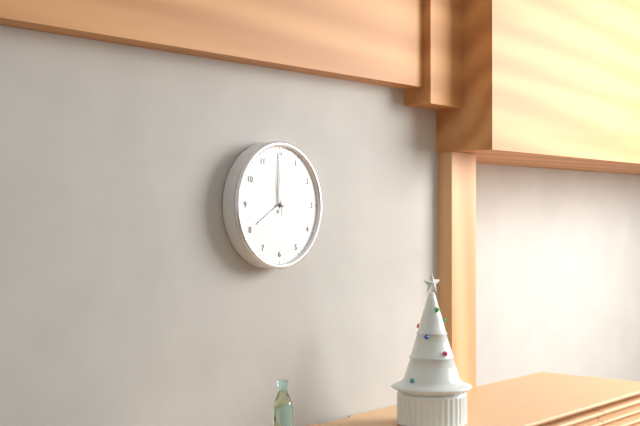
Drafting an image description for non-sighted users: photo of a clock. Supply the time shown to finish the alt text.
8:00:59
